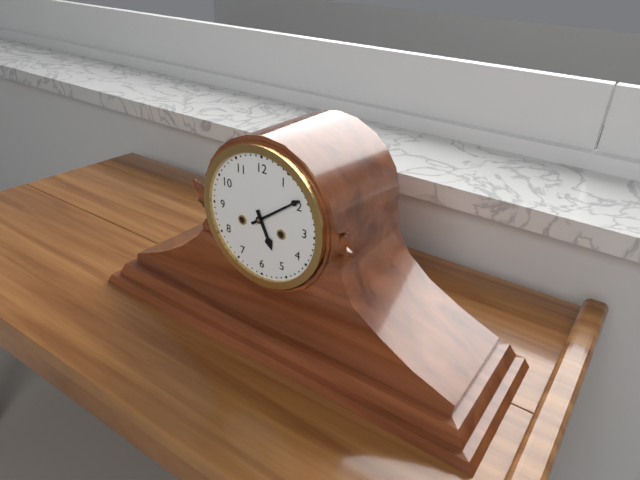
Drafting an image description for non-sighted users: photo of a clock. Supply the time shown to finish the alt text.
5:09
